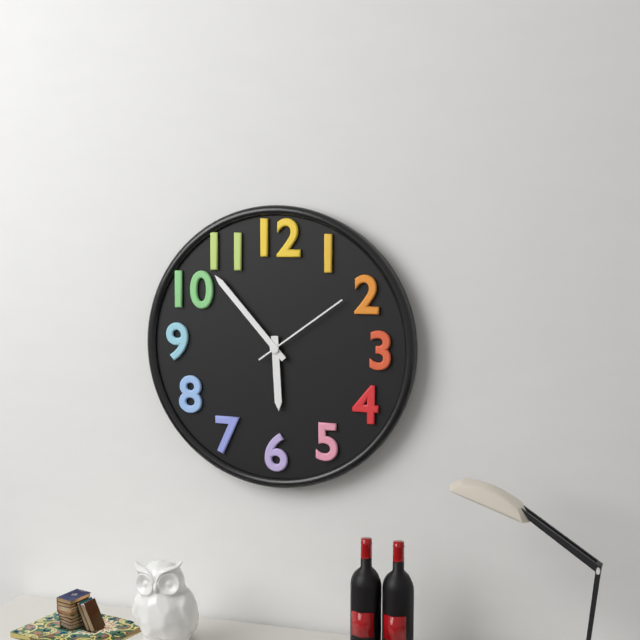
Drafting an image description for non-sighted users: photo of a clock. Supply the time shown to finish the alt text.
5:53:09
